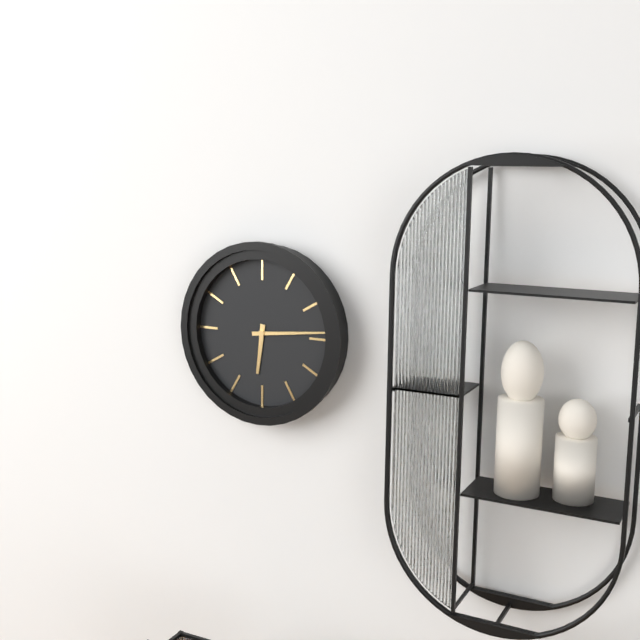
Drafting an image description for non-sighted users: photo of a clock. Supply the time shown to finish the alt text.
6:14
